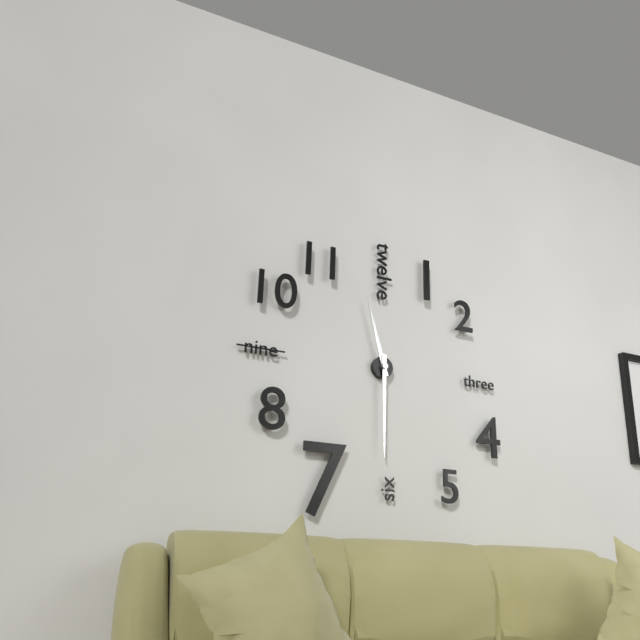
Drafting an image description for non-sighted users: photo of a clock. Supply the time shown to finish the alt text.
11:30
